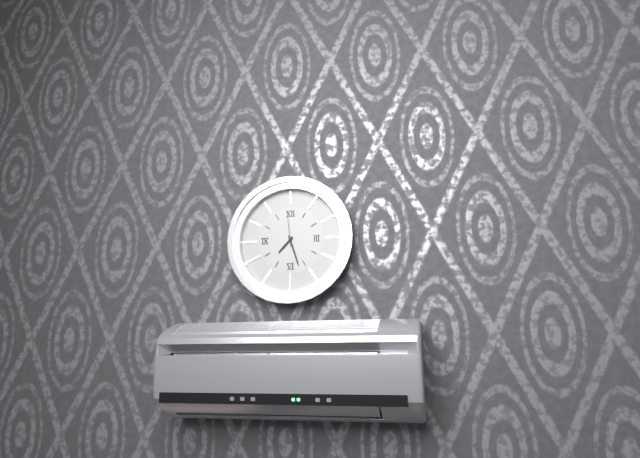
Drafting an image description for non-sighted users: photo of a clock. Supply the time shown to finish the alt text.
7:27
